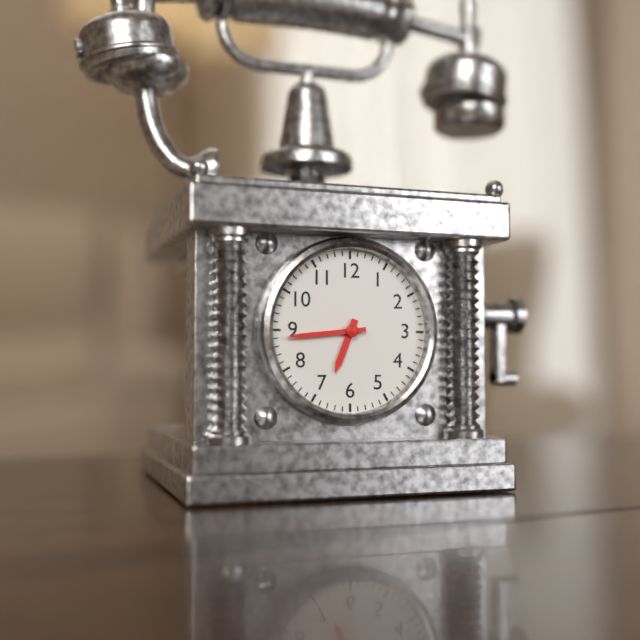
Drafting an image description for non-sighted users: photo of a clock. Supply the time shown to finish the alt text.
6:44
